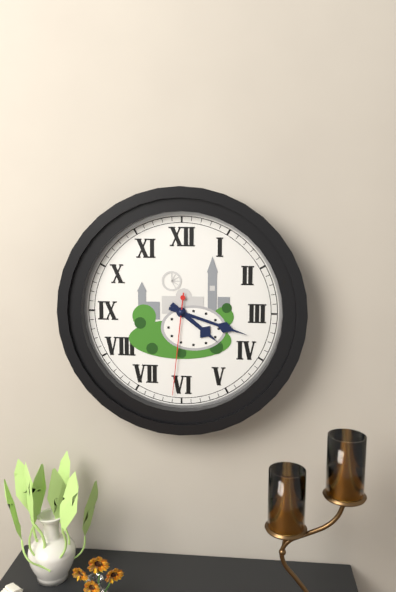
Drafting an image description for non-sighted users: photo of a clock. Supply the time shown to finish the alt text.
4:18:31
